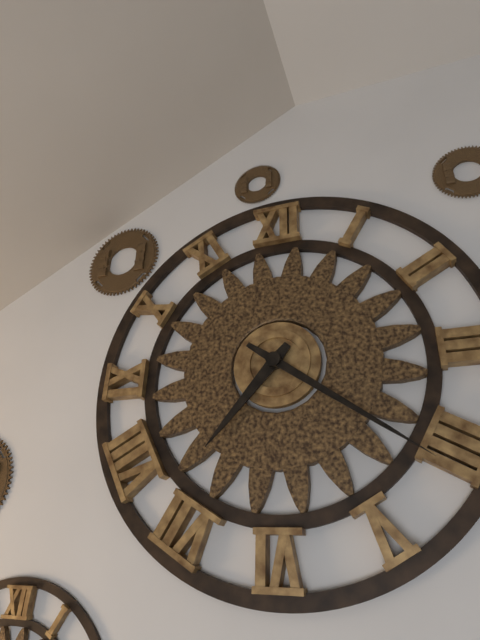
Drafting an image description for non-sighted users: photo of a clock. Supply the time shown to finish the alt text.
7:21
